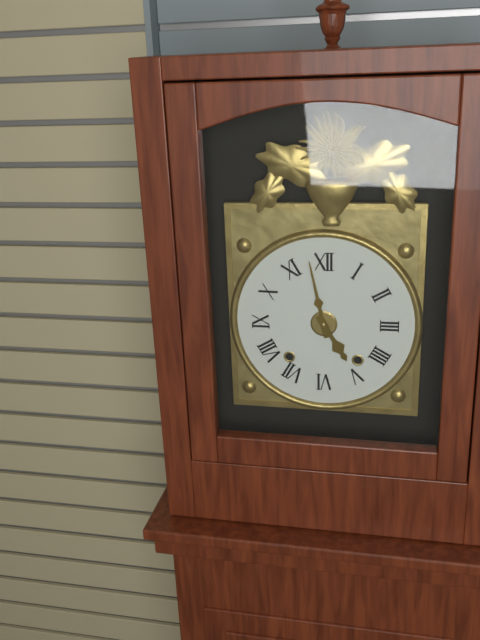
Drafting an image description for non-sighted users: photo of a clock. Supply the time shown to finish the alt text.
4:58
